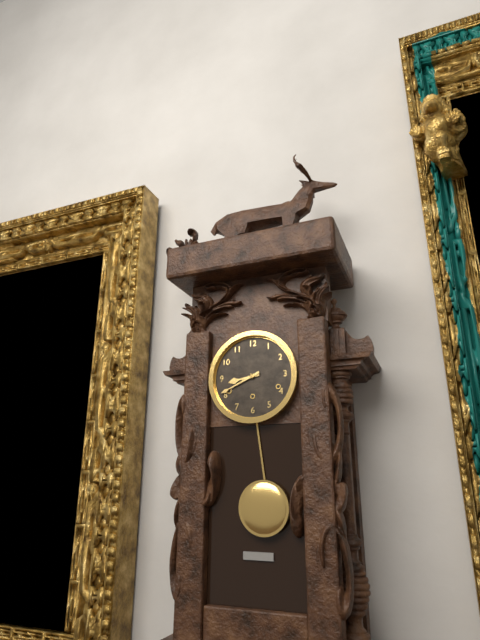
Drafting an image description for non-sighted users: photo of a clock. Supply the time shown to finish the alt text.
8:41
